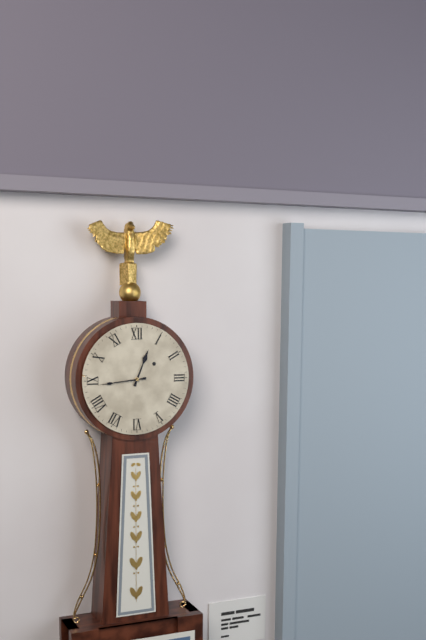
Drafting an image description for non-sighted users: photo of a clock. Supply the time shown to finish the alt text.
12:44
